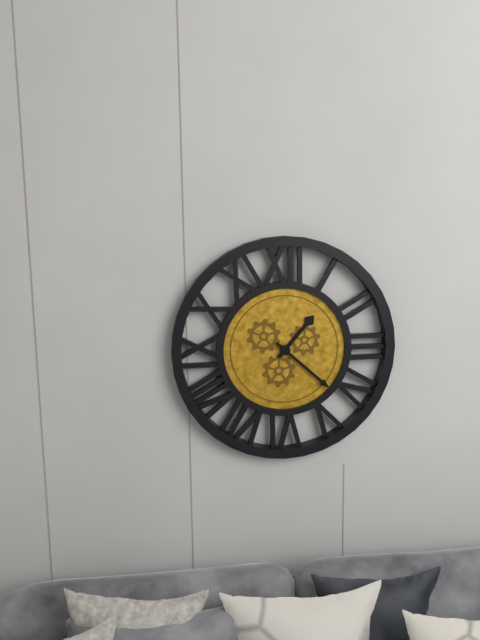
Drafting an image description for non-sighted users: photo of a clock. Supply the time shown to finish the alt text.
1:22
